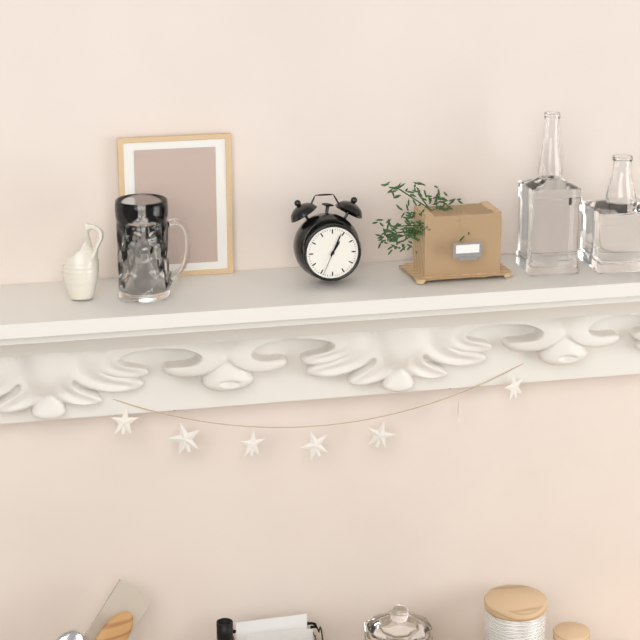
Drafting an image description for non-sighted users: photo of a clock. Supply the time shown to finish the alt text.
1:04
